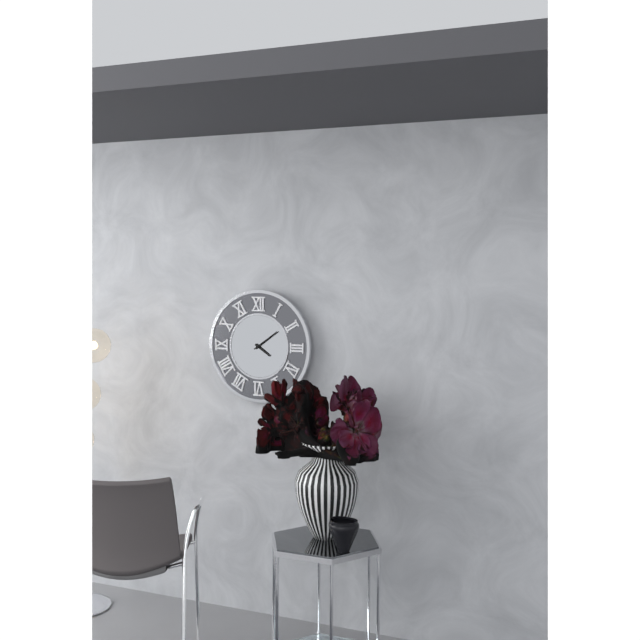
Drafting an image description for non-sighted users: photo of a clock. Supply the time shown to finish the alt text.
4:09
